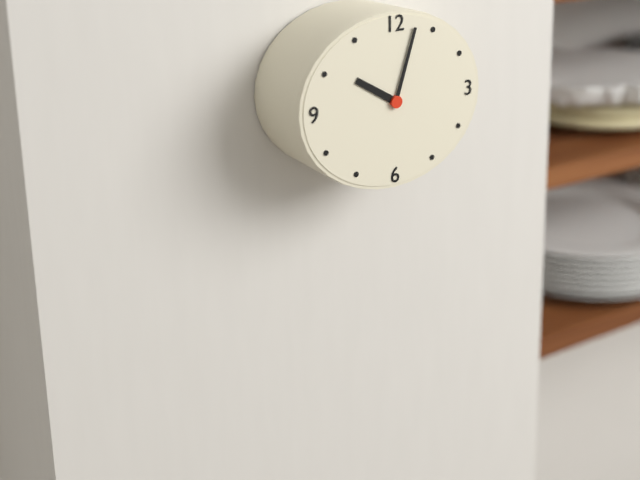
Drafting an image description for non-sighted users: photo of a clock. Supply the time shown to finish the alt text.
10:03
